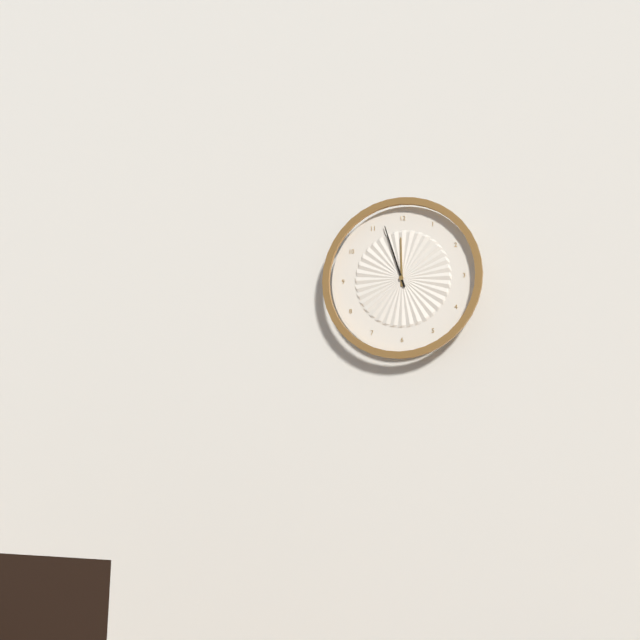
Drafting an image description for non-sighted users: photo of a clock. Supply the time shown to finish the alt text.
11:57
